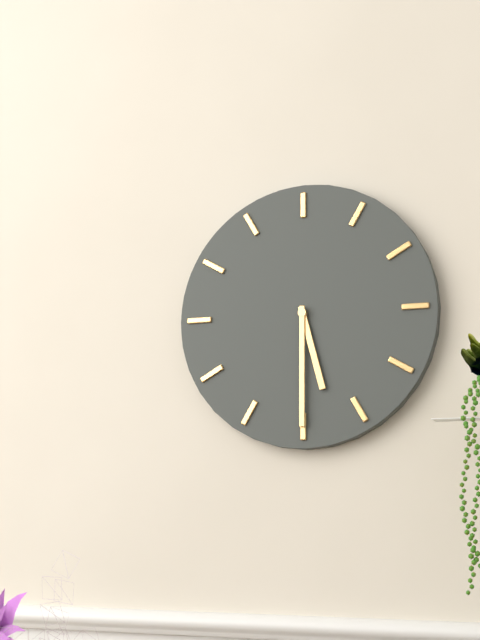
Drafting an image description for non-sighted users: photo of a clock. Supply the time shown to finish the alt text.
5:30
